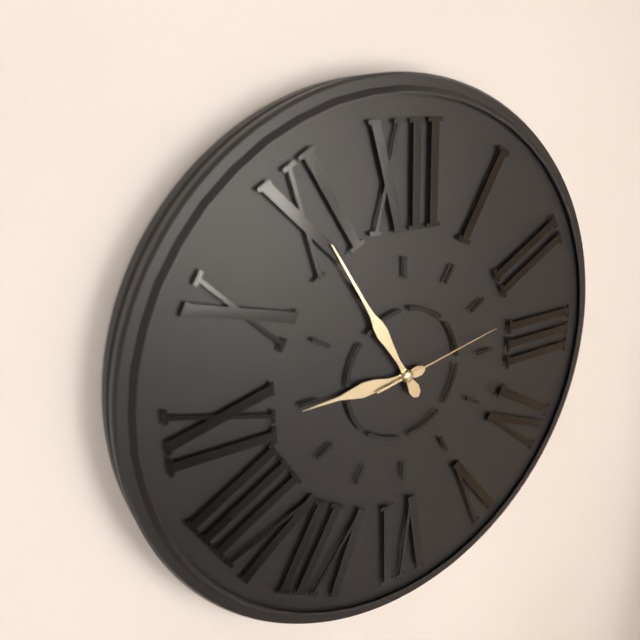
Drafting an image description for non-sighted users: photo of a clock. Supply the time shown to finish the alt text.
8:55:13
